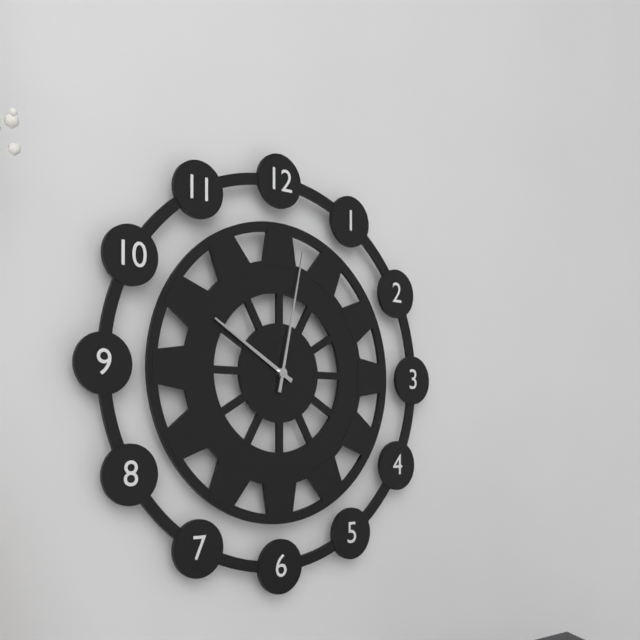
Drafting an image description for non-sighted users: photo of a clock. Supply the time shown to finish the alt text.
10:02
